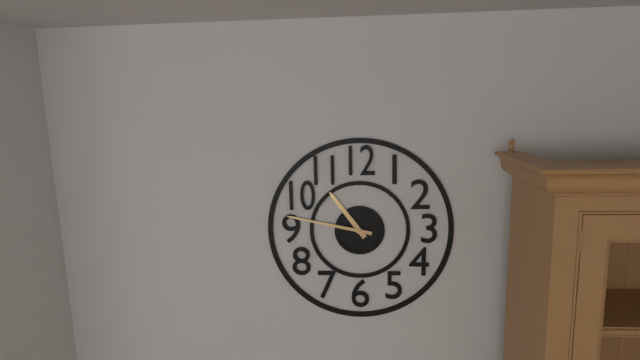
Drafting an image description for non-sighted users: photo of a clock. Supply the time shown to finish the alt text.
10:47
